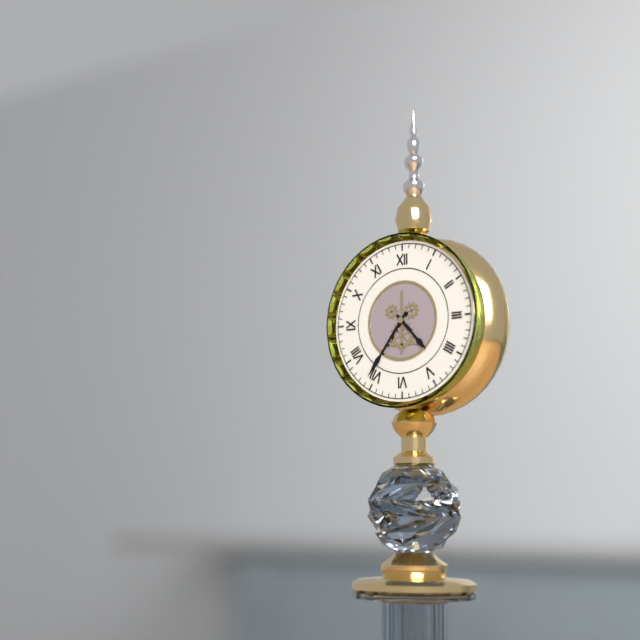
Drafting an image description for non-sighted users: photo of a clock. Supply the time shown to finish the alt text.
4:36
